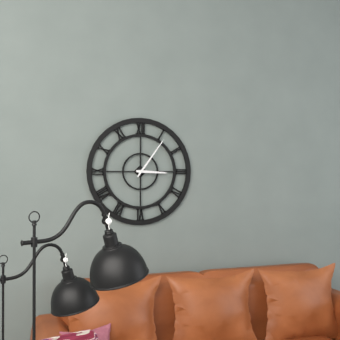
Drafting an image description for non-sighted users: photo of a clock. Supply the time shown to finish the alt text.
3:06
